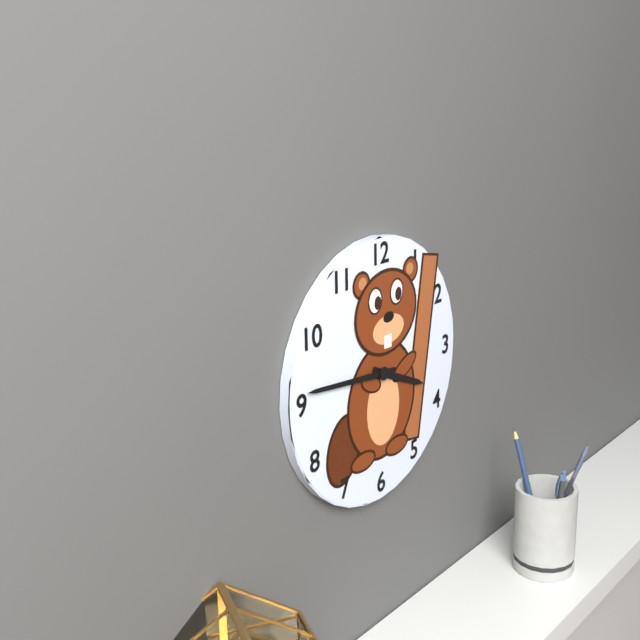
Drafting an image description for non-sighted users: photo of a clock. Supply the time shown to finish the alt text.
3:46
